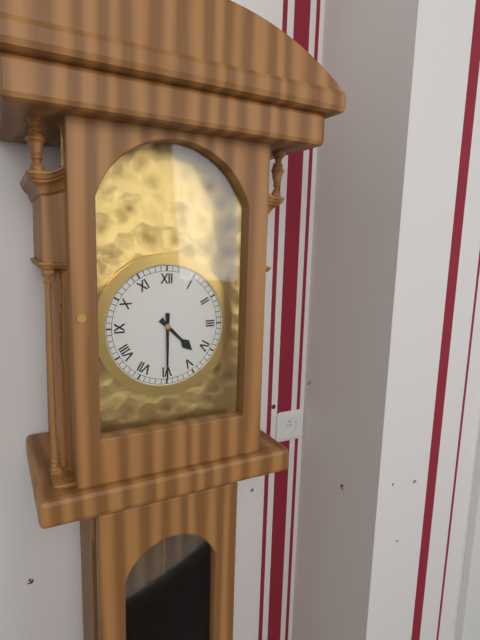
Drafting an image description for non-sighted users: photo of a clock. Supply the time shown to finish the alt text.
4:30
